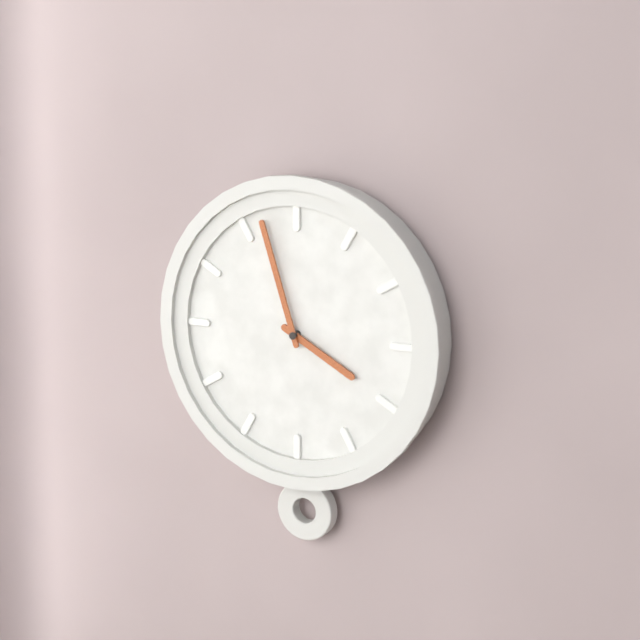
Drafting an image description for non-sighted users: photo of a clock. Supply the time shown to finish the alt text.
3:57
